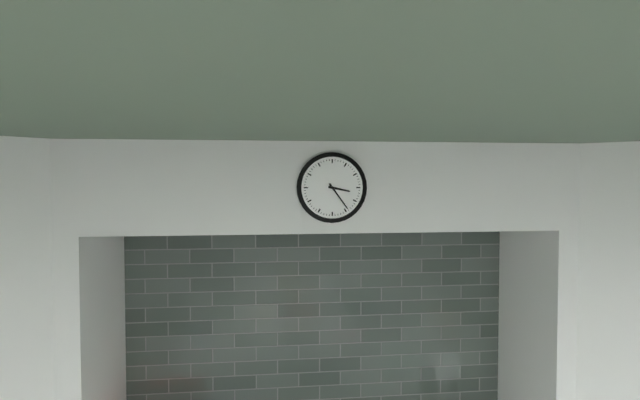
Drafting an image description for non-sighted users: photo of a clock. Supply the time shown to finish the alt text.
3:24
